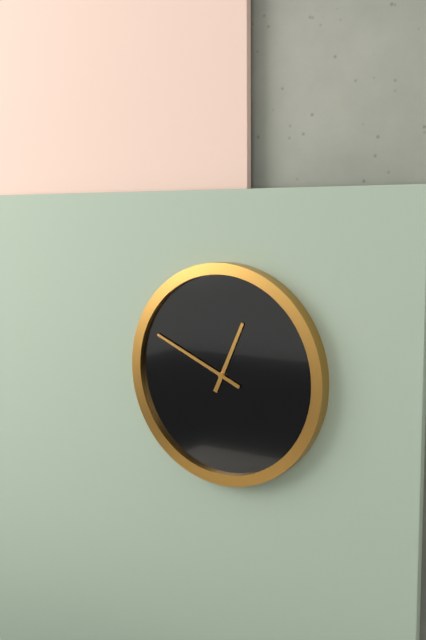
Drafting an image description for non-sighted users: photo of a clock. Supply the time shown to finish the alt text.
12:49
